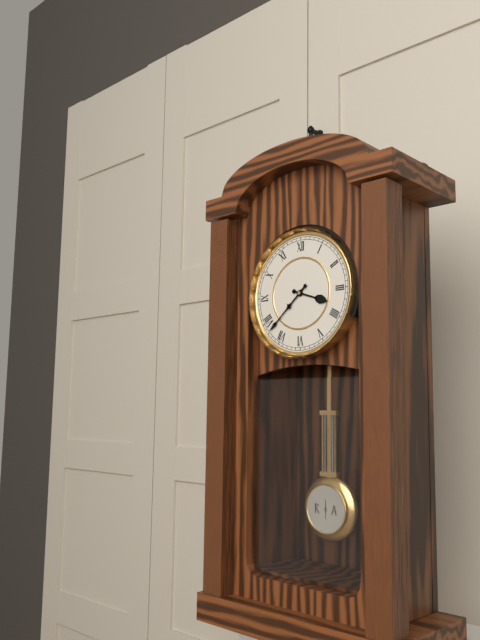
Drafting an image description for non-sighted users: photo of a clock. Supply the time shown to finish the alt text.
3:38
